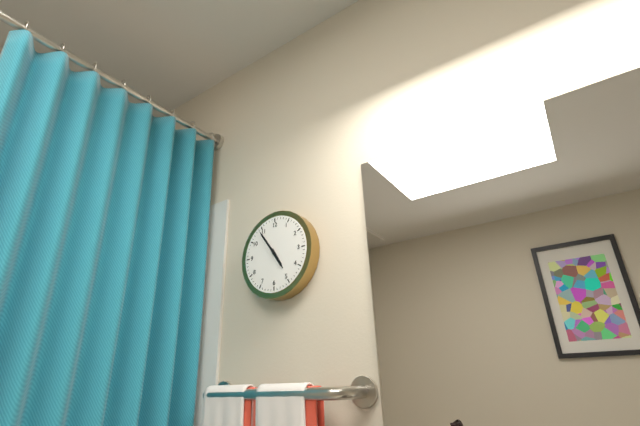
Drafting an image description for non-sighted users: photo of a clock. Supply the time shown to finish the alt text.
4:54
